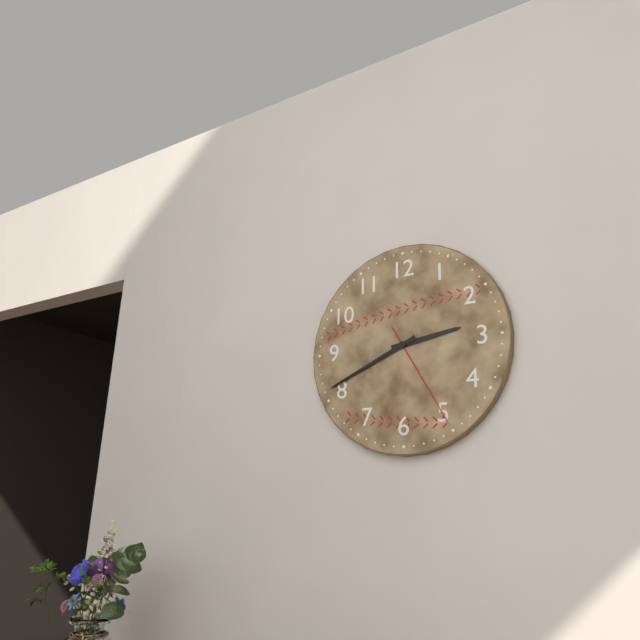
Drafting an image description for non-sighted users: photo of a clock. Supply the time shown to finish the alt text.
2:41:25
